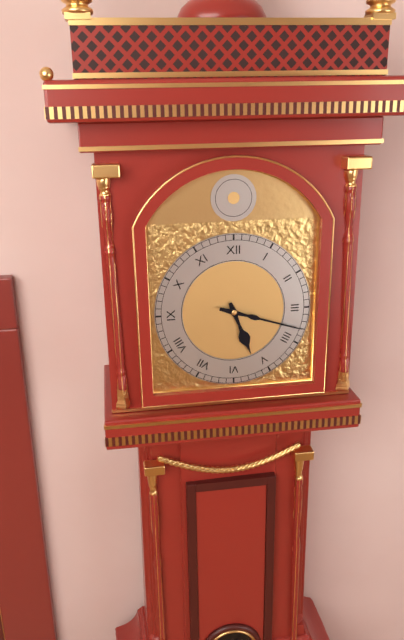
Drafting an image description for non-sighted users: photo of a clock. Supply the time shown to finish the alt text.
5:18
